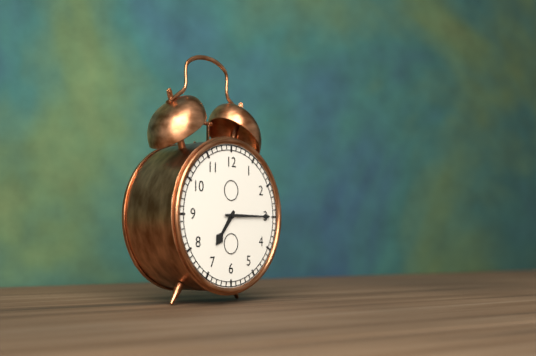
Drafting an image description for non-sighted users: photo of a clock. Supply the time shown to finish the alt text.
7:15
